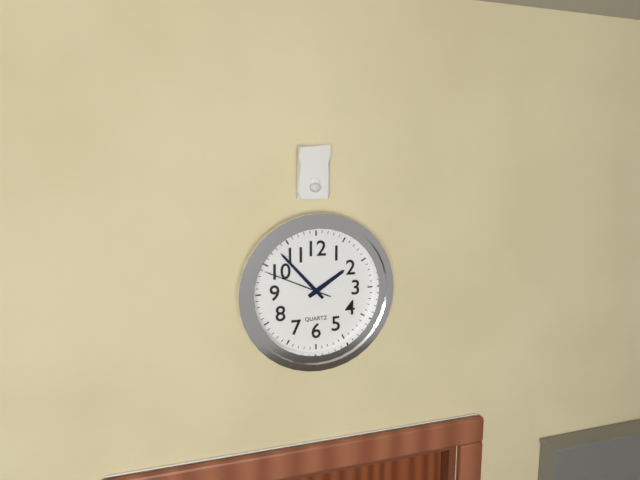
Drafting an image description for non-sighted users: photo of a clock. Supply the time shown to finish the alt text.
1:53:49
